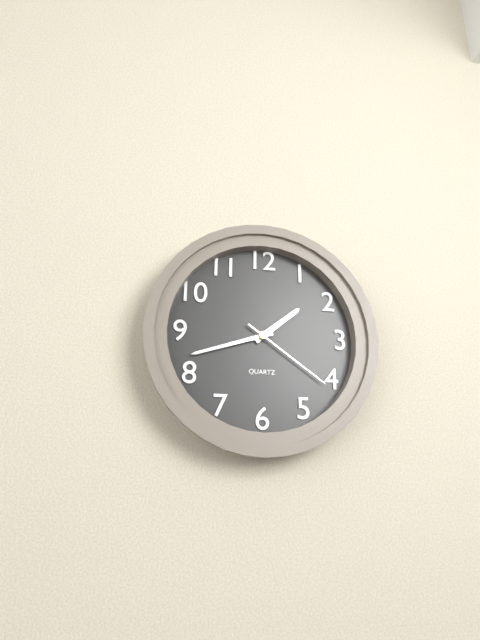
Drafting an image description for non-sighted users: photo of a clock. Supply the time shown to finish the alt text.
1:42:21
